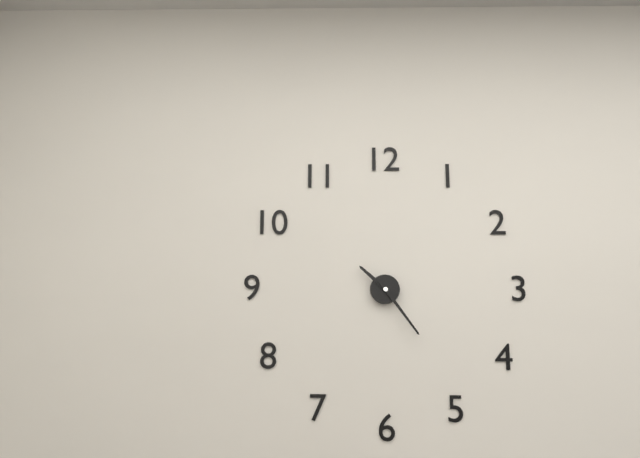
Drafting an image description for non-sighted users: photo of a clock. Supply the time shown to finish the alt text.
10:24
